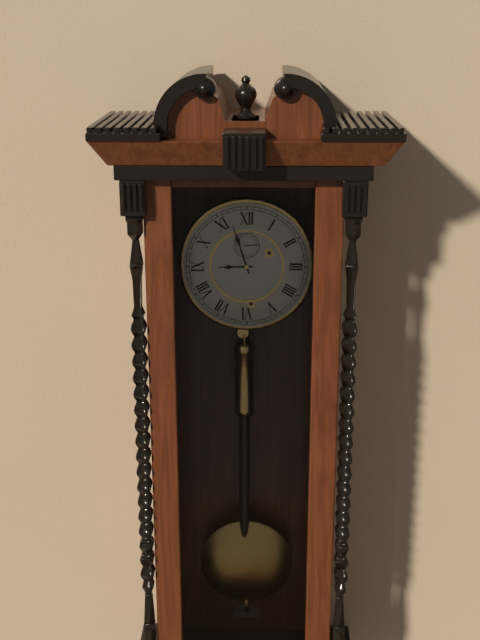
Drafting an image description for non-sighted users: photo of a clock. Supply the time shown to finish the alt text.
8:57
